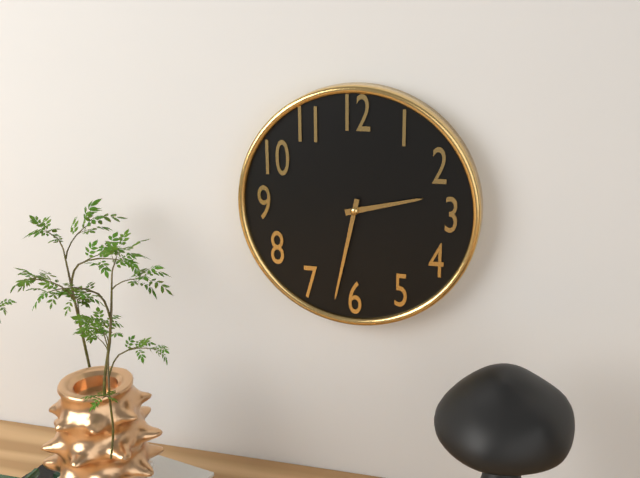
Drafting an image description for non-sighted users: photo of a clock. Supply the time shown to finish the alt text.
2:32
